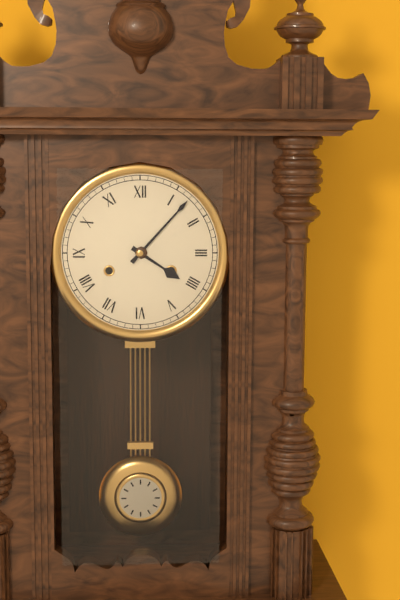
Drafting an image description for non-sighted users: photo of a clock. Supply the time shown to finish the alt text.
4:07
